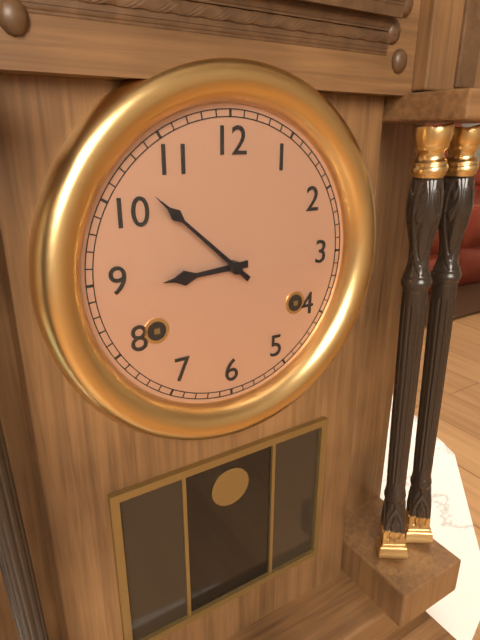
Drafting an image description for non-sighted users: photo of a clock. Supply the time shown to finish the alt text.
8:52
